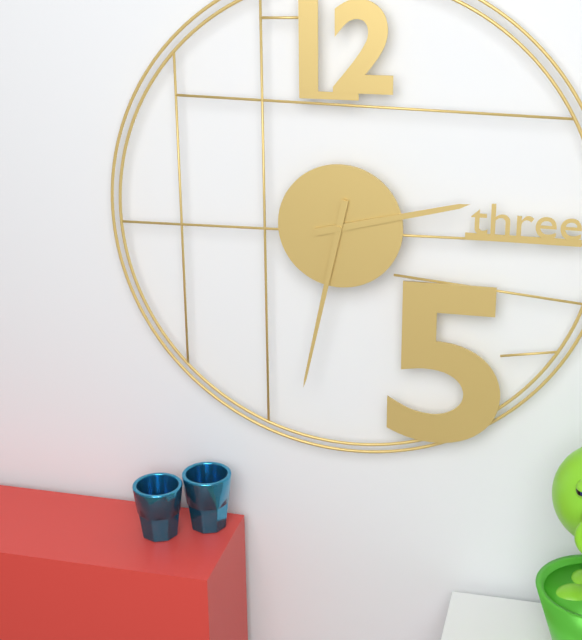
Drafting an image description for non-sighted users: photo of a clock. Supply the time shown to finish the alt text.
2:32
